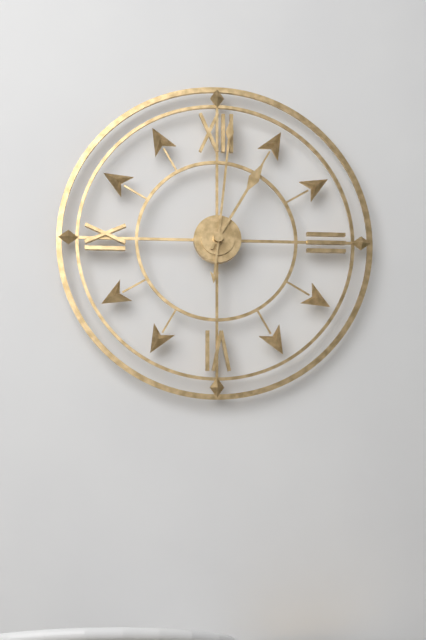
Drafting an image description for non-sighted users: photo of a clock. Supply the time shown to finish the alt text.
1:01
